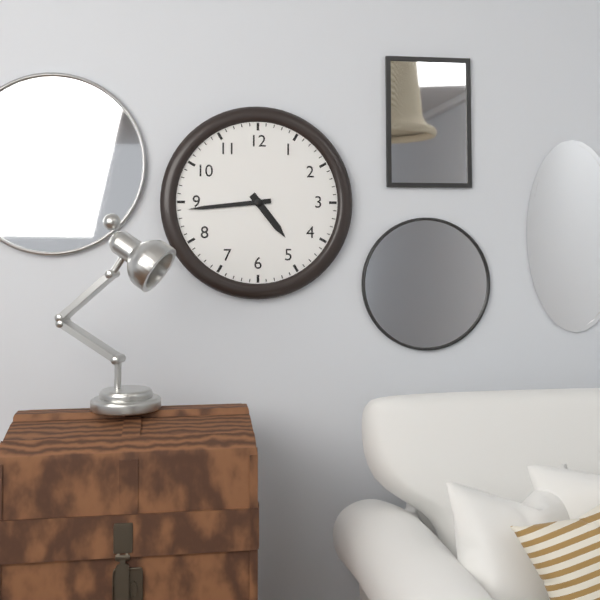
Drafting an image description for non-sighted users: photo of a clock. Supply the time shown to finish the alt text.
4:44
